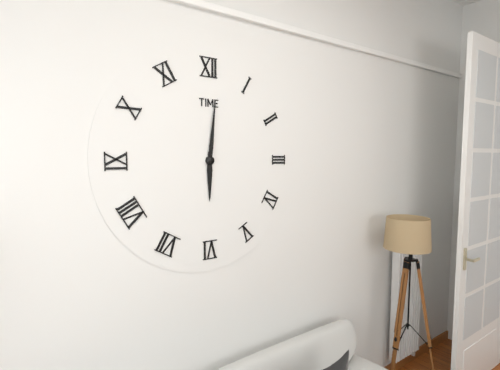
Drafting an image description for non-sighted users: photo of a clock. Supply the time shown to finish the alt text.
6:01
